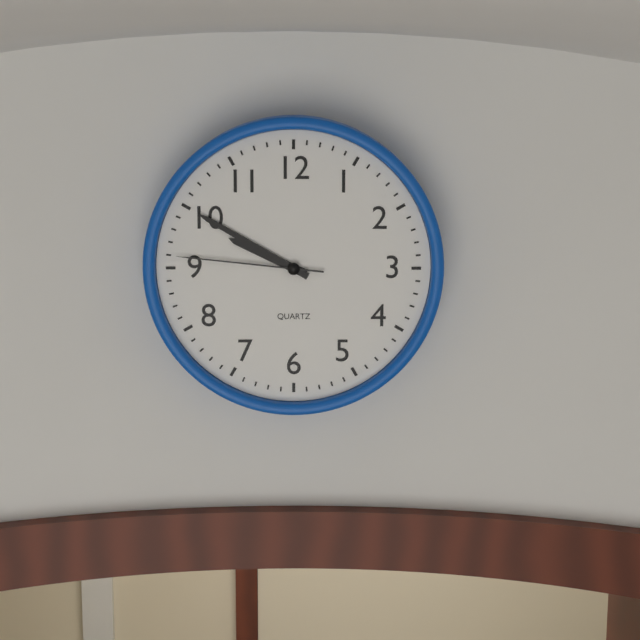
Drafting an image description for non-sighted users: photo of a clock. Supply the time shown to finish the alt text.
9:50:46
